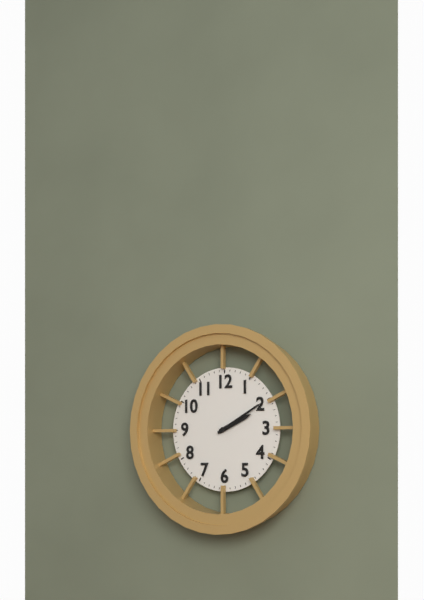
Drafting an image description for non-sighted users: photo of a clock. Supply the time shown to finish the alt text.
2:10
